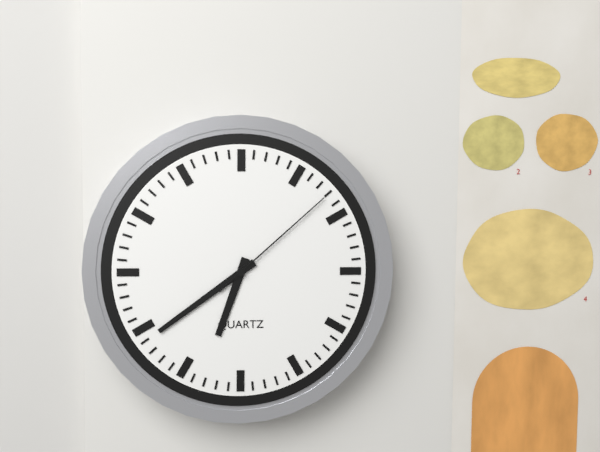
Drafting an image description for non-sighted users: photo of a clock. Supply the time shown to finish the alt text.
6:39:08
